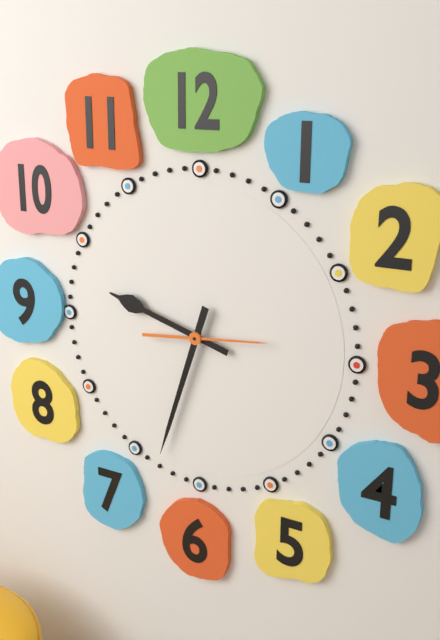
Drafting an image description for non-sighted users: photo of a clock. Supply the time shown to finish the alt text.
9:33:14
